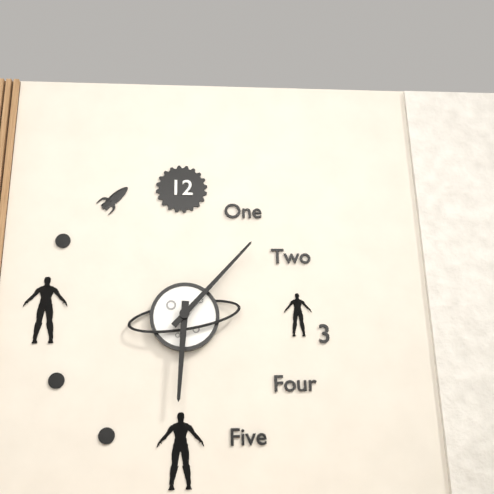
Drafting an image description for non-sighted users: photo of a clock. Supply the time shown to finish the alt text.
6:07
